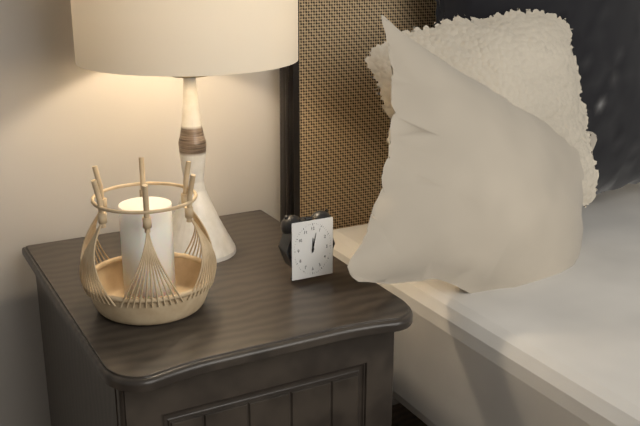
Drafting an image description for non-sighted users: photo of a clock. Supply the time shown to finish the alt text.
12:02
